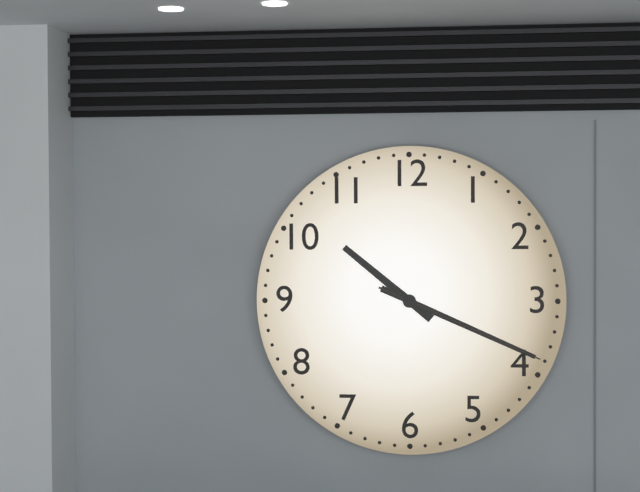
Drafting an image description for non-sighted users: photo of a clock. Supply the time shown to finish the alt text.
10:19:19
